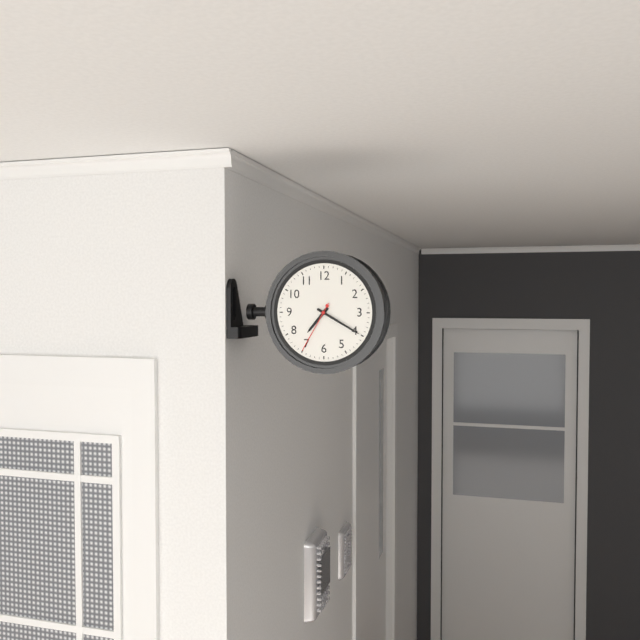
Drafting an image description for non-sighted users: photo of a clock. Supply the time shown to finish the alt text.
7:20:35
